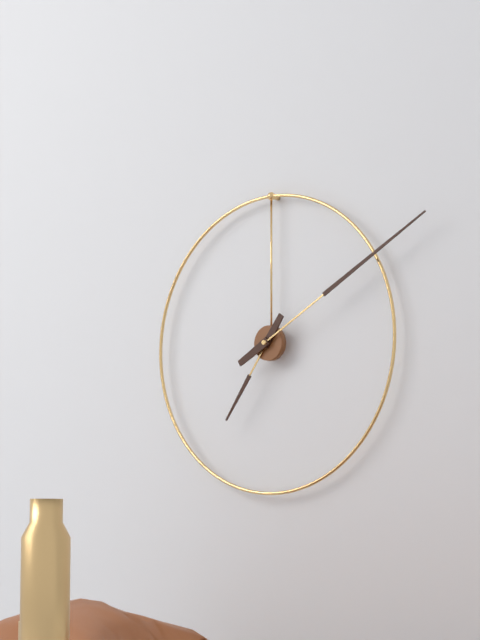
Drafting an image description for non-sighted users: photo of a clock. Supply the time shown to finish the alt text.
7:10
